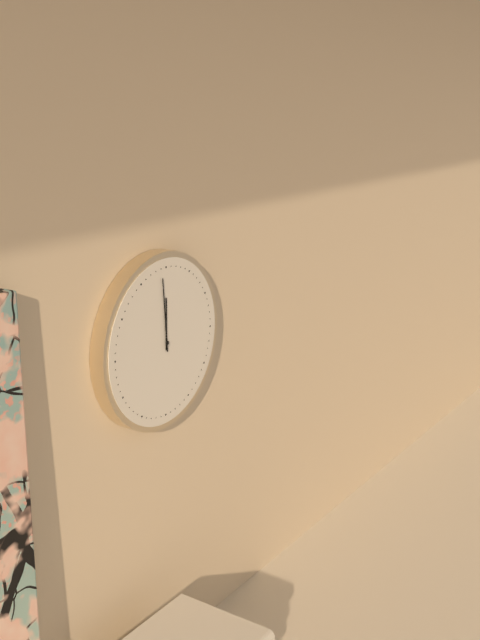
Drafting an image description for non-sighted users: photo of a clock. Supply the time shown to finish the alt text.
11:59
